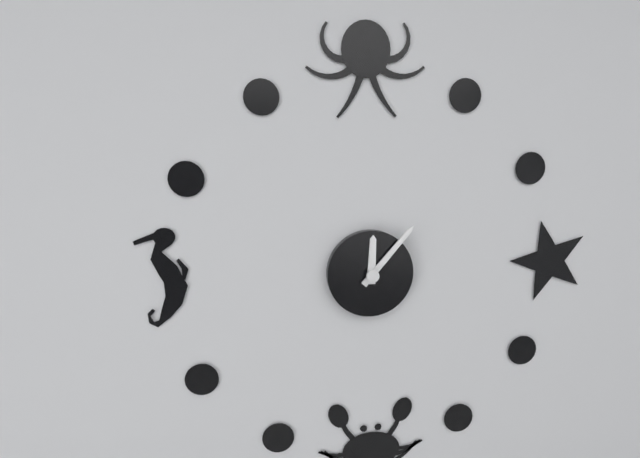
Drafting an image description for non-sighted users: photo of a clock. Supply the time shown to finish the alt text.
12:07
